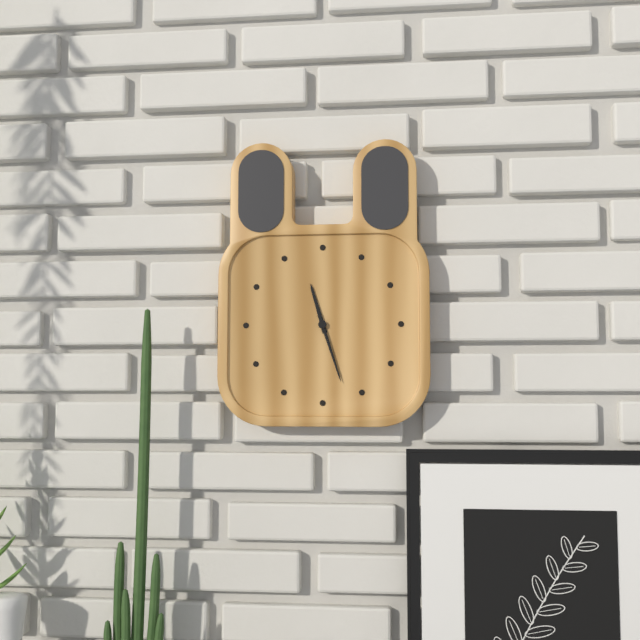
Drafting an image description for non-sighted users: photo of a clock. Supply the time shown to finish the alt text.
11:27
